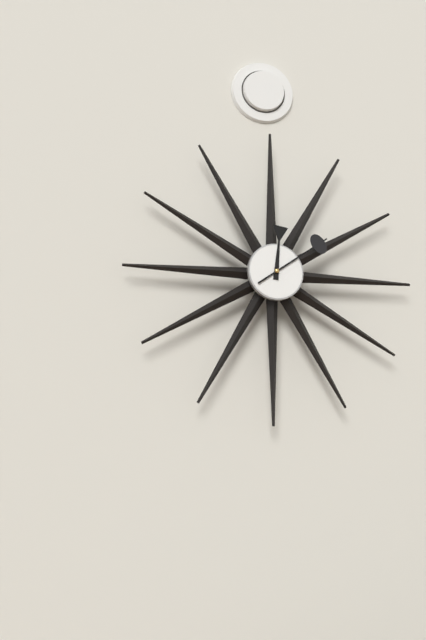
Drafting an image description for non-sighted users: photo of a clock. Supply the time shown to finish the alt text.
12:09
